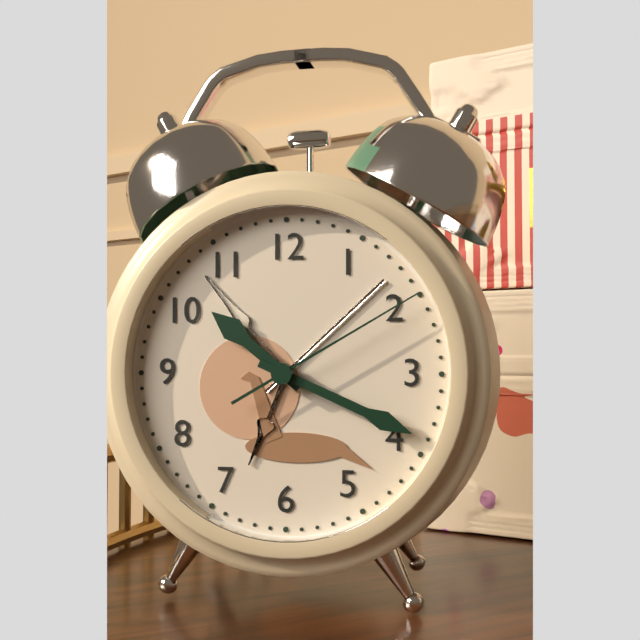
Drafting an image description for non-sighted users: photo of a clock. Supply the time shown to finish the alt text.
10:19:10
